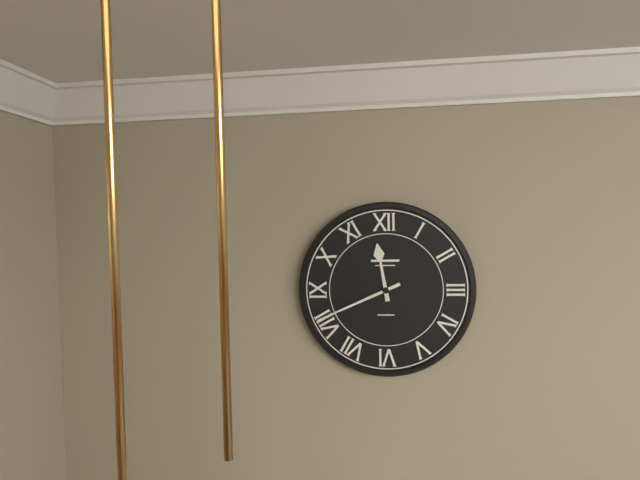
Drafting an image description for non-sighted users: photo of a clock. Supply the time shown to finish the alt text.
11:41
